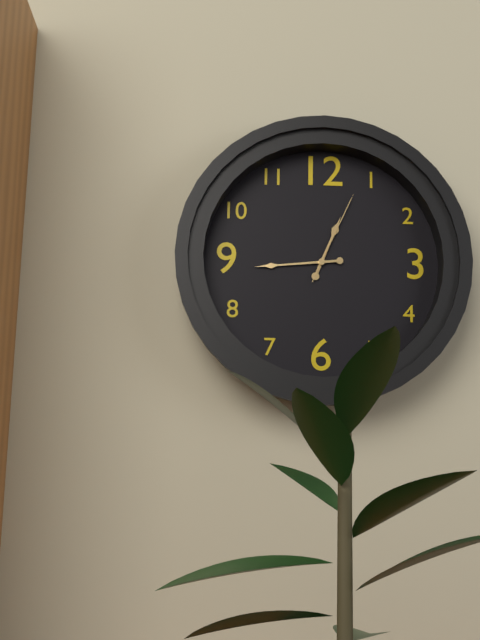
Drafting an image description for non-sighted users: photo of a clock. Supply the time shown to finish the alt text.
12:44:04
